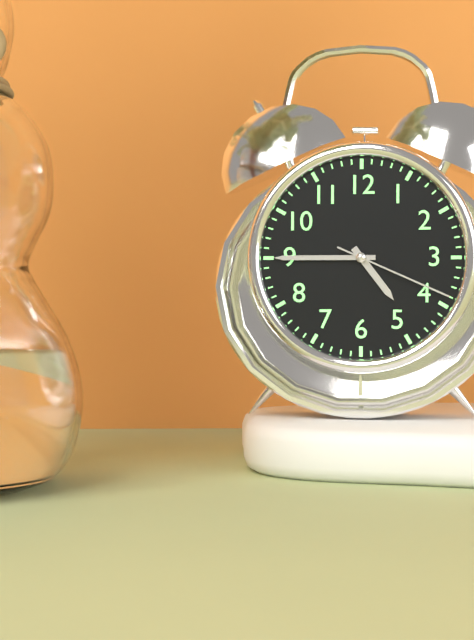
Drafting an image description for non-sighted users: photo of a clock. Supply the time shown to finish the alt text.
4:45:19
